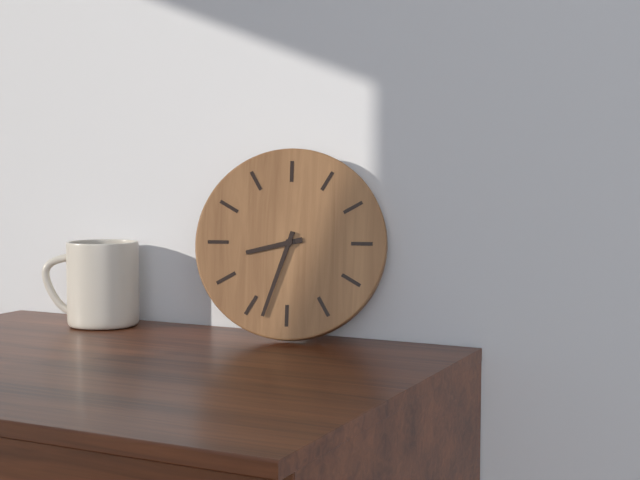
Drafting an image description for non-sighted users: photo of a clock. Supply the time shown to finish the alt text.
8:33
